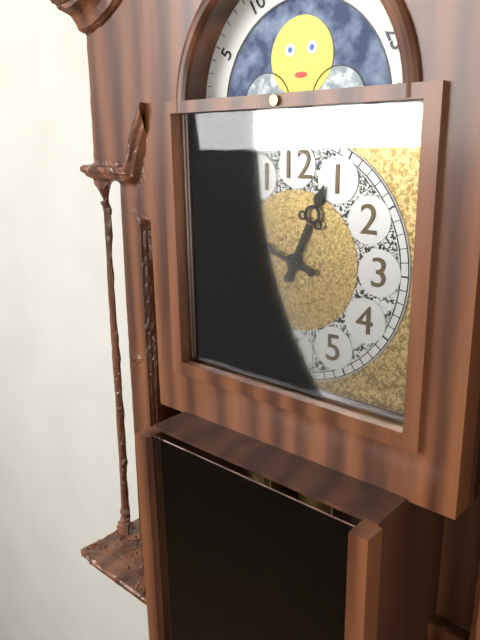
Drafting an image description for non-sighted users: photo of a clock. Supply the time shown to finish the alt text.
12:48
